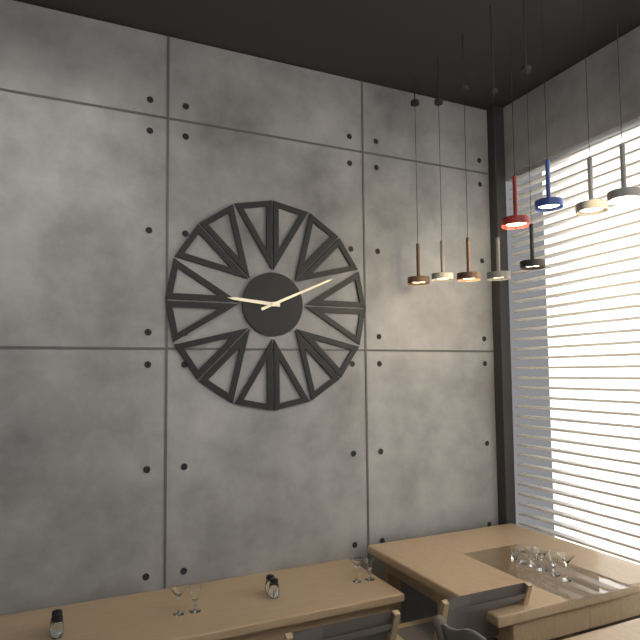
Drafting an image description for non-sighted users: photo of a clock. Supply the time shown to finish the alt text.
9:11
